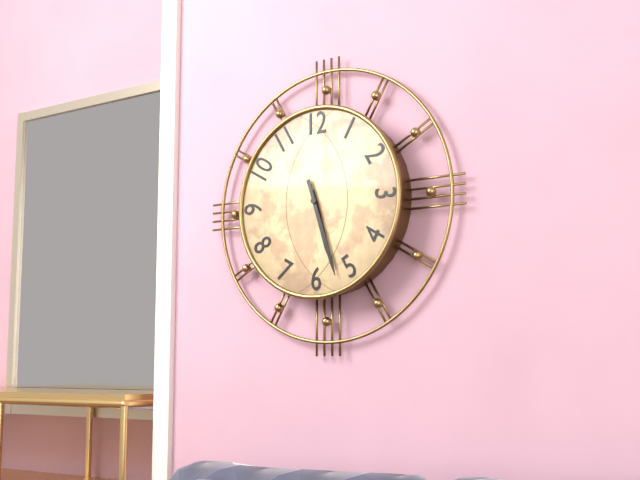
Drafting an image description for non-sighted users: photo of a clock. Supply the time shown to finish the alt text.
5:27
